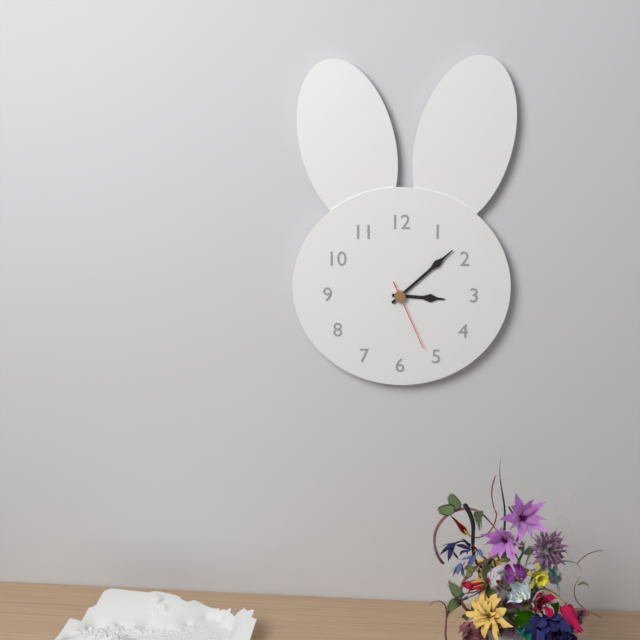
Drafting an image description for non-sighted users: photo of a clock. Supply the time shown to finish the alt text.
3:08:26
